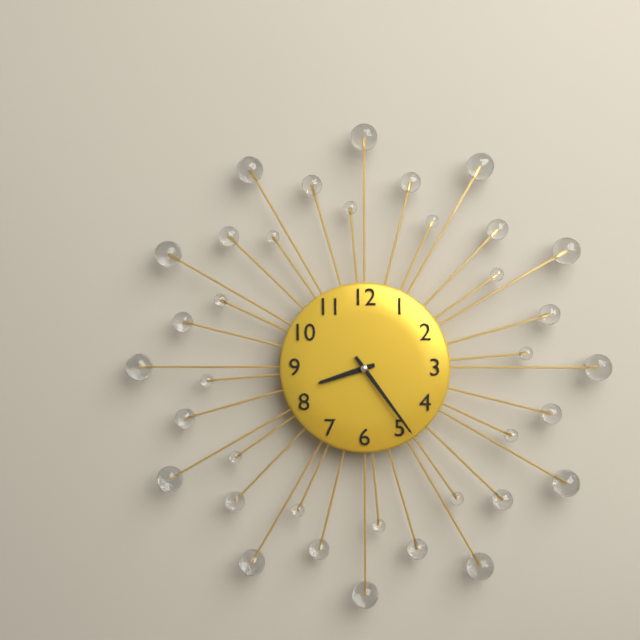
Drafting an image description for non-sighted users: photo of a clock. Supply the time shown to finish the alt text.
8:24
